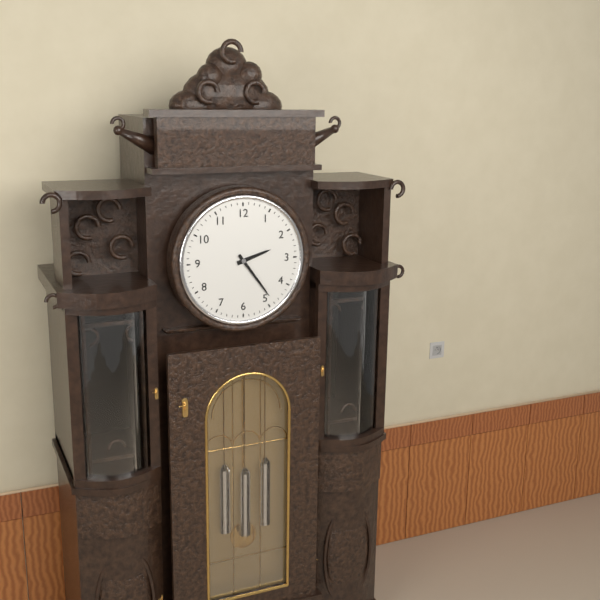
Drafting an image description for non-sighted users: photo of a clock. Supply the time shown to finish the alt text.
2:24
